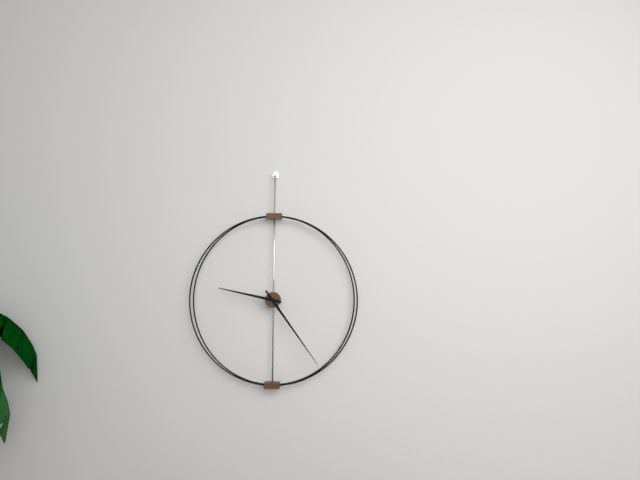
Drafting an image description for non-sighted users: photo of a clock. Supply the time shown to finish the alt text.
9:24
